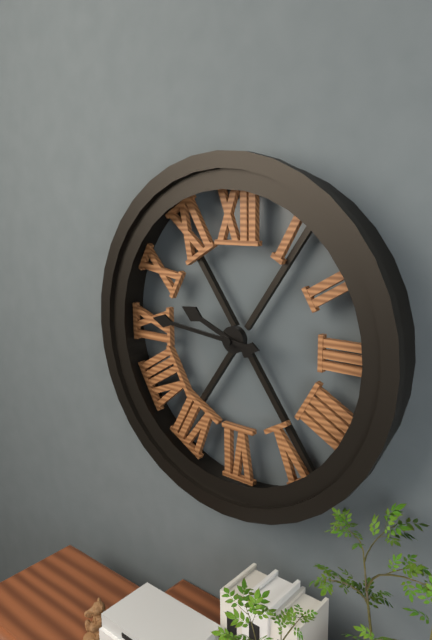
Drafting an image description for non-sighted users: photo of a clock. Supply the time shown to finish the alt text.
9:46
